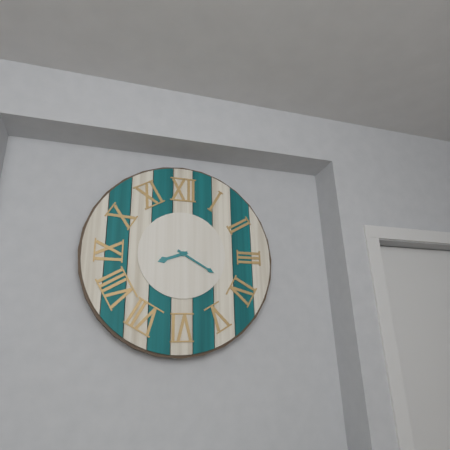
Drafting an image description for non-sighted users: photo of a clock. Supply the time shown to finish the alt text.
8:20
